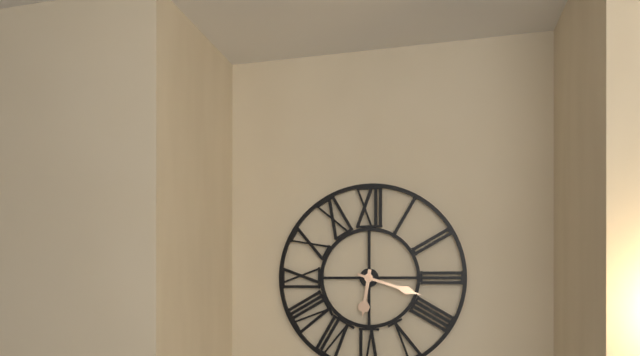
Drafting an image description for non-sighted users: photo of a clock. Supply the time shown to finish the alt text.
6:18
